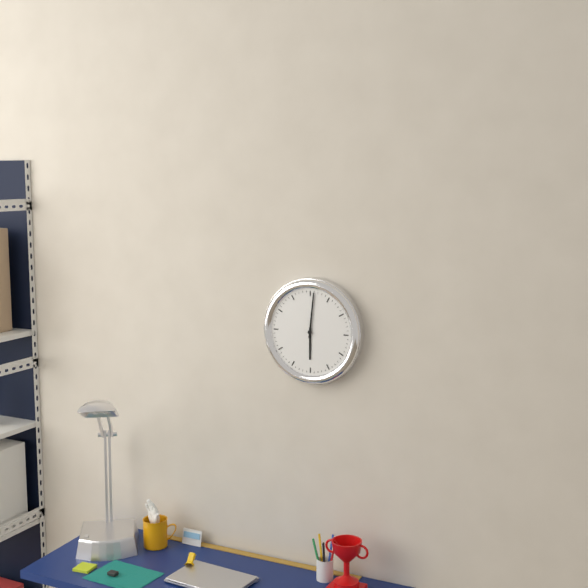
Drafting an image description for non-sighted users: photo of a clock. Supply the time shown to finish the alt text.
6:01
